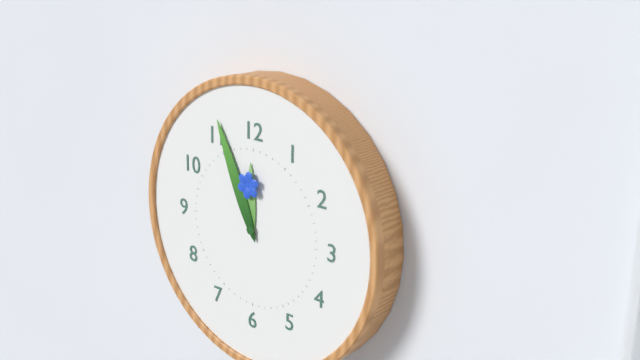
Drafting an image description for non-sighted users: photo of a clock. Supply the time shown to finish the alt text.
11:56
